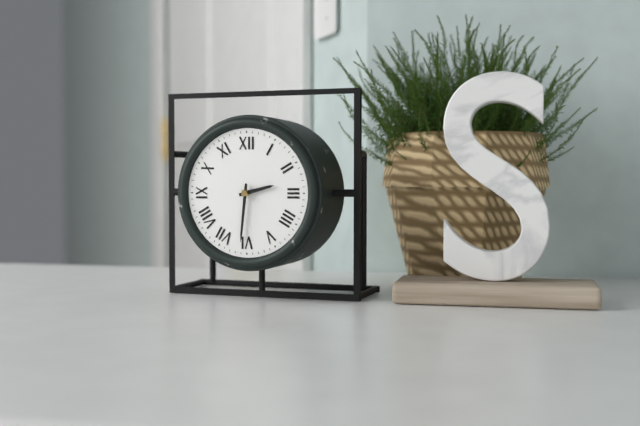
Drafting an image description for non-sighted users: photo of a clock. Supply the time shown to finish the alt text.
2:31
